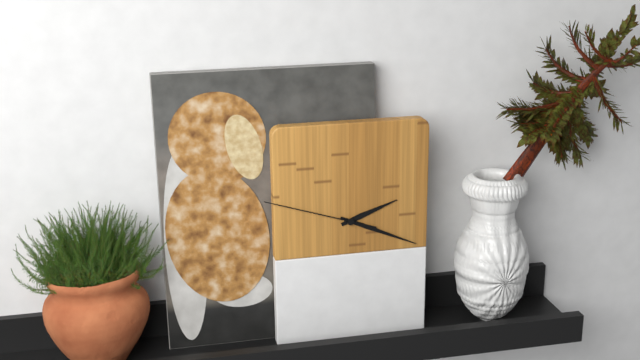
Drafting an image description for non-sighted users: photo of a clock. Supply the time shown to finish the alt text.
2:19:48
